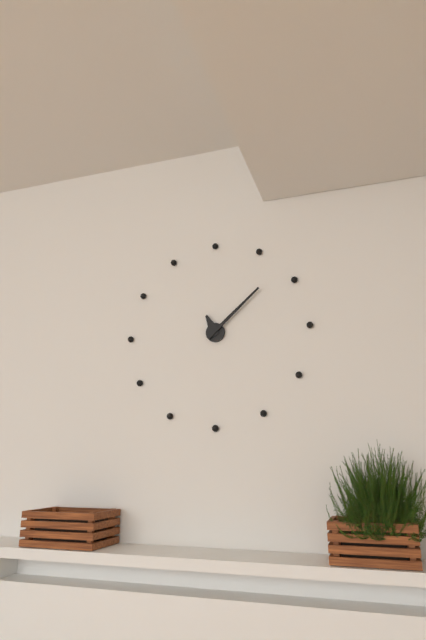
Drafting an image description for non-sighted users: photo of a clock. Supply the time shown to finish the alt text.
11:08
